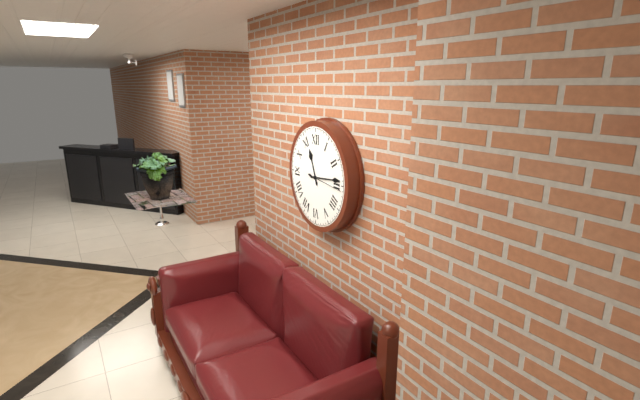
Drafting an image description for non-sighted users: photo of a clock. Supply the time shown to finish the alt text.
11:14
